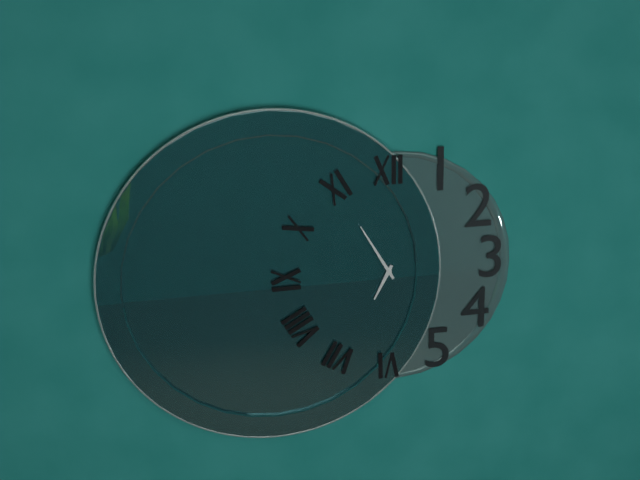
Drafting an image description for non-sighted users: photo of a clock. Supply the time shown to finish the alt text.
6:55
